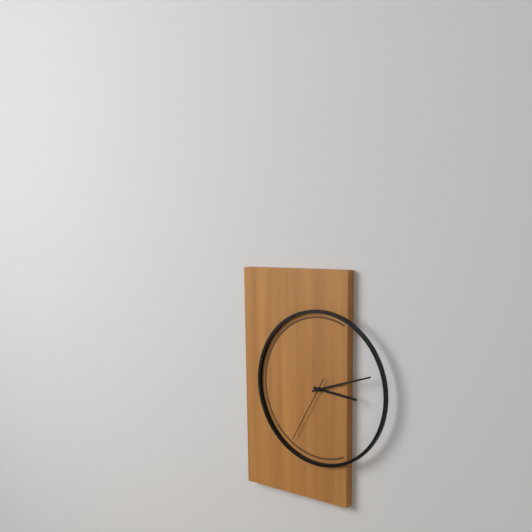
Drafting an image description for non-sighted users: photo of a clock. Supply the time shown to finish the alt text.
3:12:35
